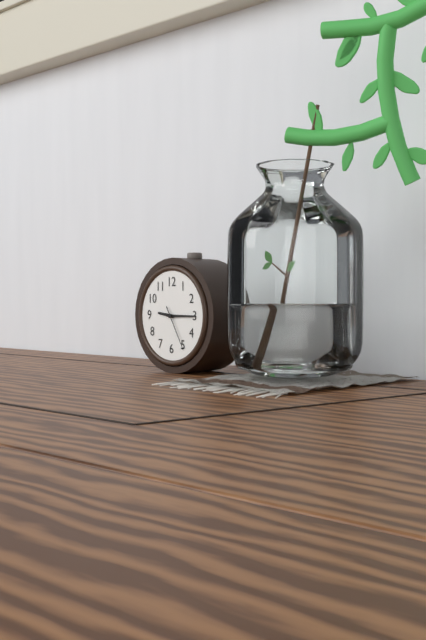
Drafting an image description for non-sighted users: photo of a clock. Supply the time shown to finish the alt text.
9:15
